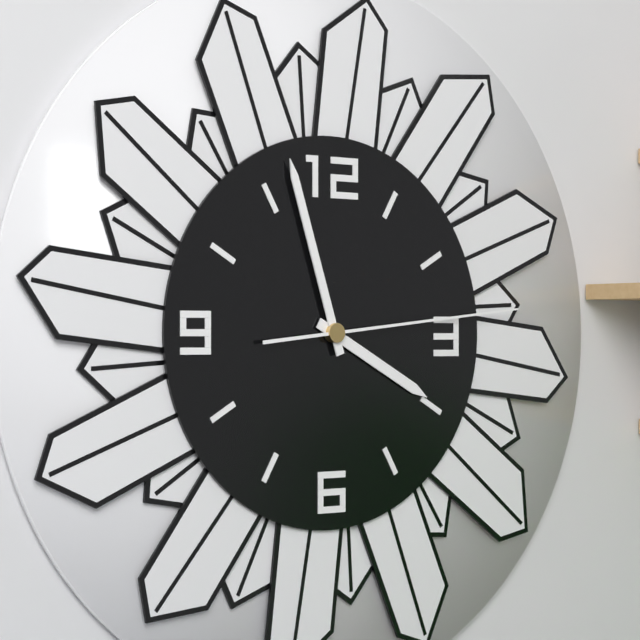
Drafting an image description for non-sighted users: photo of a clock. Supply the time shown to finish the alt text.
3:57:14
